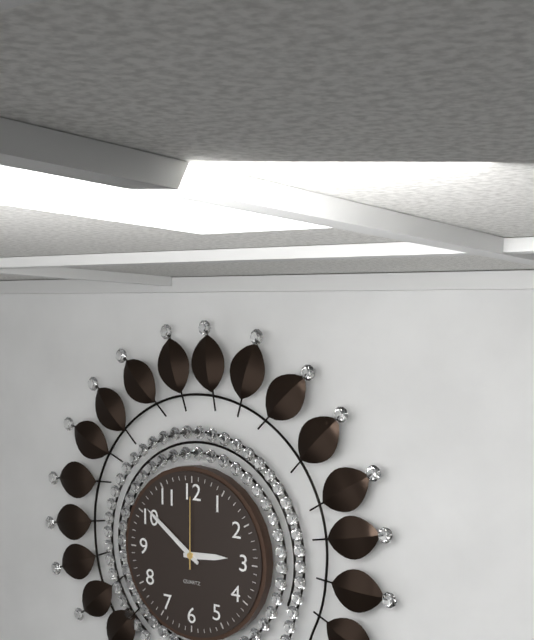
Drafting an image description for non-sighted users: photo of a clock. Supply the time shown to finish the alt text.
2:51:00
